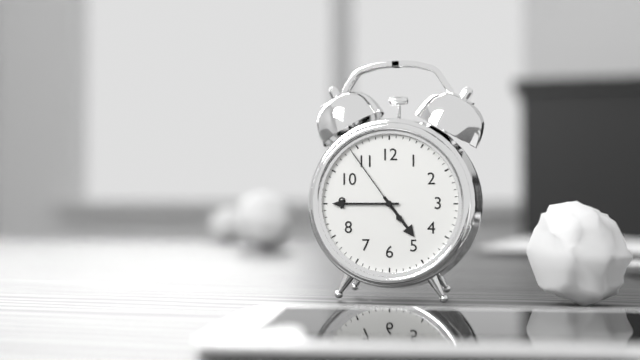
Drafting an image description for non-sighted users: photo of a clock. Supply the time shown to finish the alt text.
4:45:54
